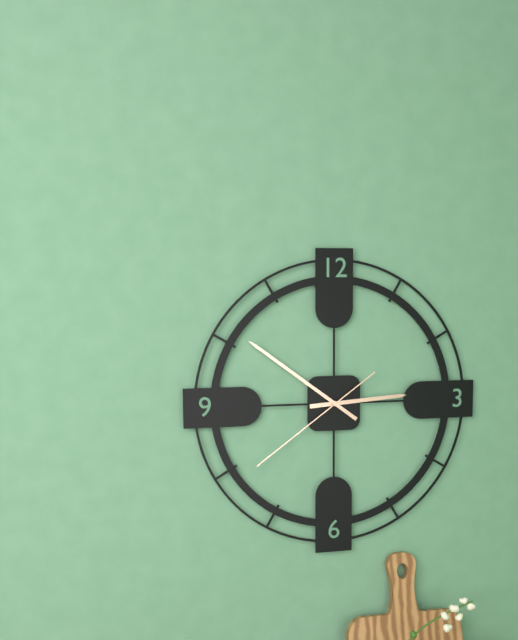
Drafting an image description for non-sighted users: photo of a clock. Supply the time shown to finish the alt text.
2:51:39
